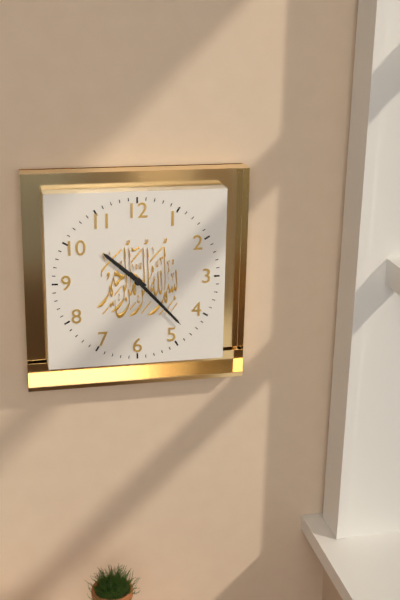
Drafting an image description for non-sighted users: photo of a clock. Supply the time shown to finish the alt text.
10:23
